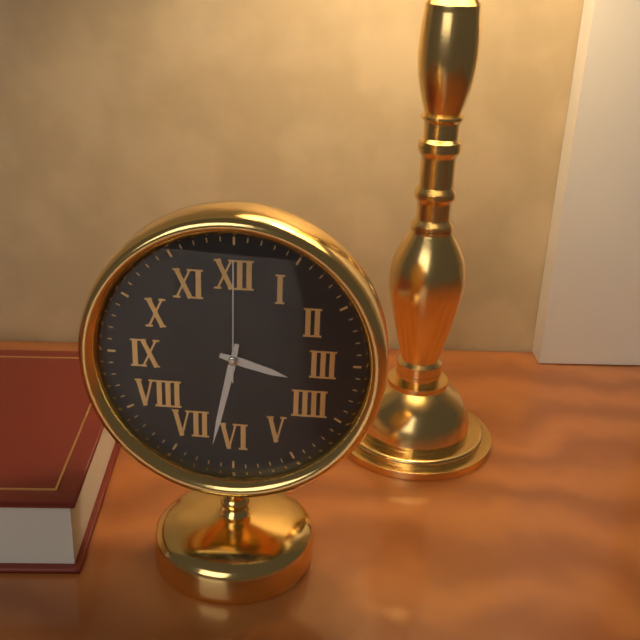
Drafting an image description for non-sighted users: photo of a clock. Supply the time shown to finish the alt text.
3:32:00
